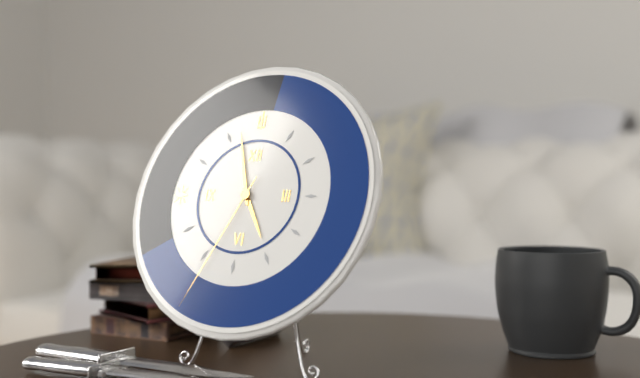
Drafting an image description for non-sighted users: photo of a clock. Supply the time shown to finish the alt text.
4:57:34
